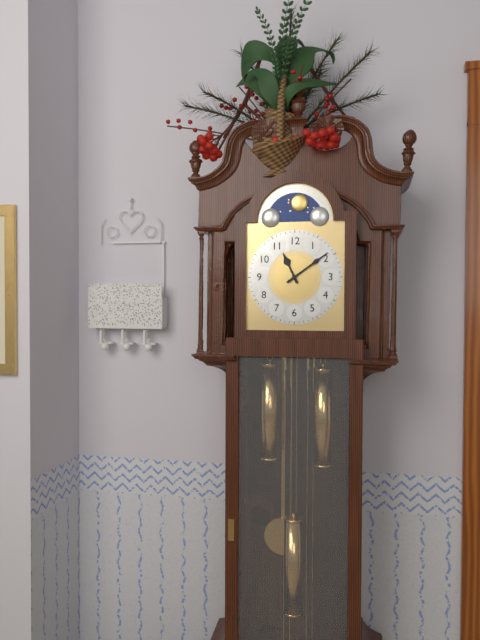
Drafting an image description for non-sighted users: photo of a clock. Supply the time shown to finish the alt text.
11:09
